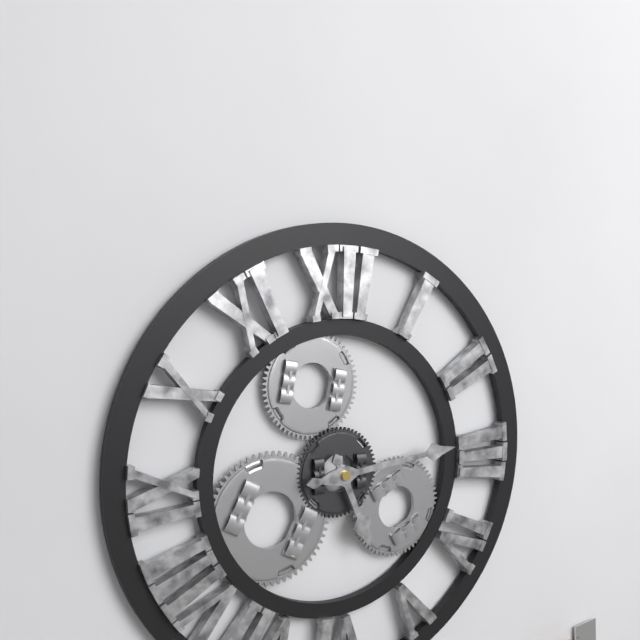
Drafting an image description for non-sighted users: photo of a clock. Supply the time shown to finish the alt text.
5:14
